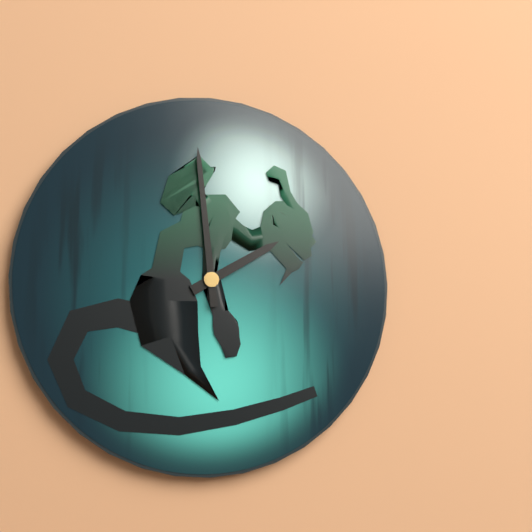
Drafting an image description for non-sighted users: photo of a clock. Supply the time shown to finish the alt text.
1:59
